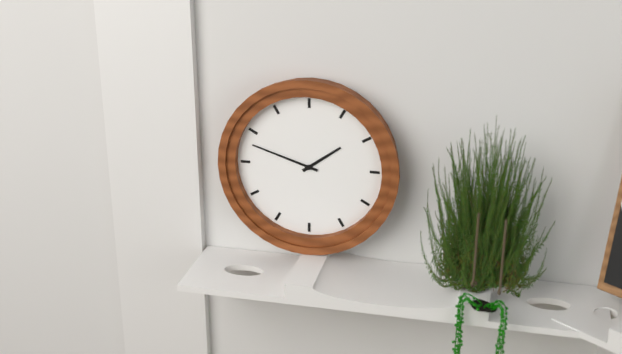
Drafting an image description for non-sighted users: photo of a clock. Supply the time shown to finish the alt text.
1:48
